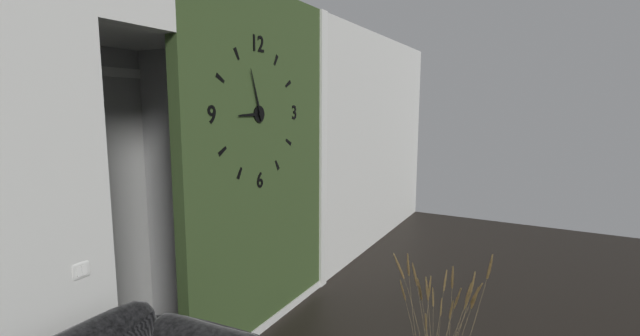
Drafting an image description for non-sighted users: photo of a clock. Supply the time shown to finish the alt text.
8:57
